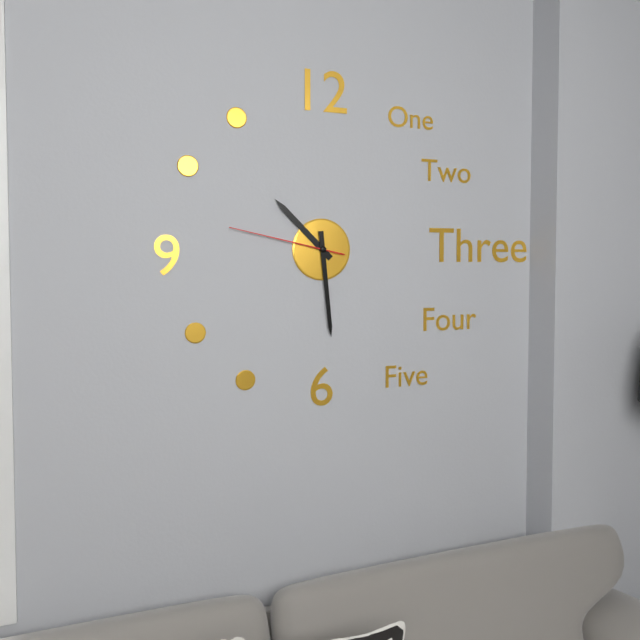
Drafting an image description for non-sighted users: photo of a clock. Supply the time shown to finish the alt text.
10:29:47
